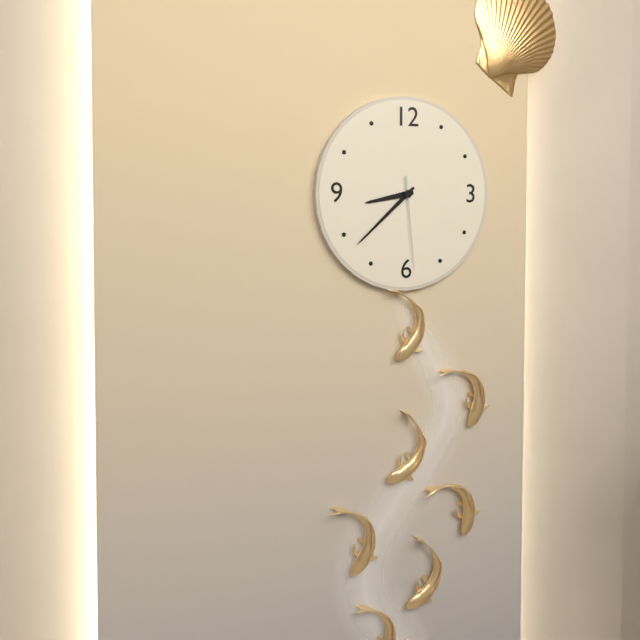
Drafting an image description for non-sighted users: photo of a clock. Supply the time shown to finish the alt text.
8:38:29
